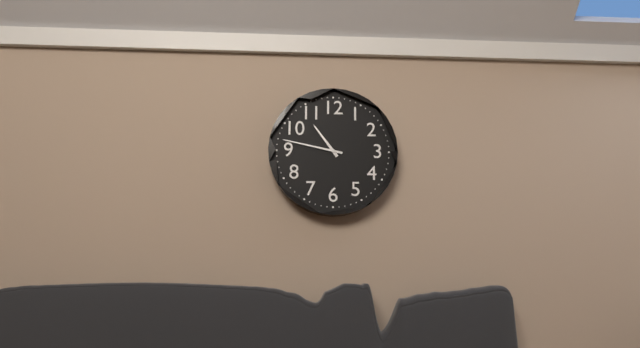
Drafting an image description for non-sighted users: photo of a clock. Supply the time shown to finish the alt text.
10:47
